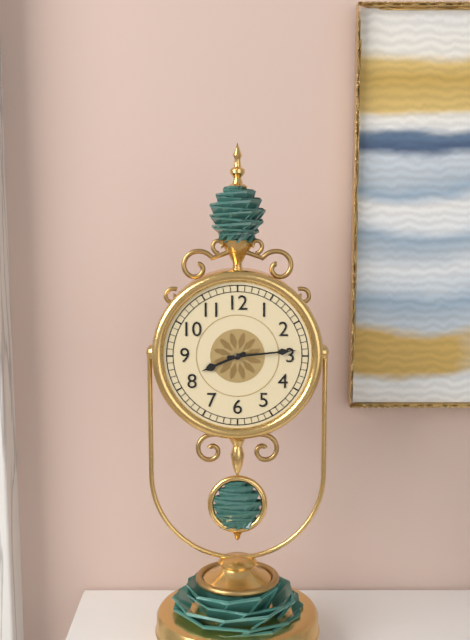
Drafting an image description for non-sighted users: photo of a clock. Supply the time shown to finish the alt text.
8:14
